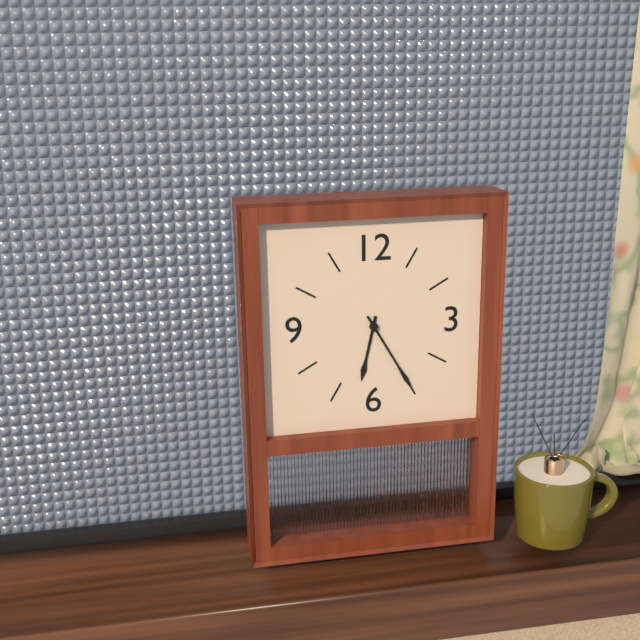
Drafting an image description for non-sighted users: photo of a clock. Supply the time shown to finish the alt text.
6:25
